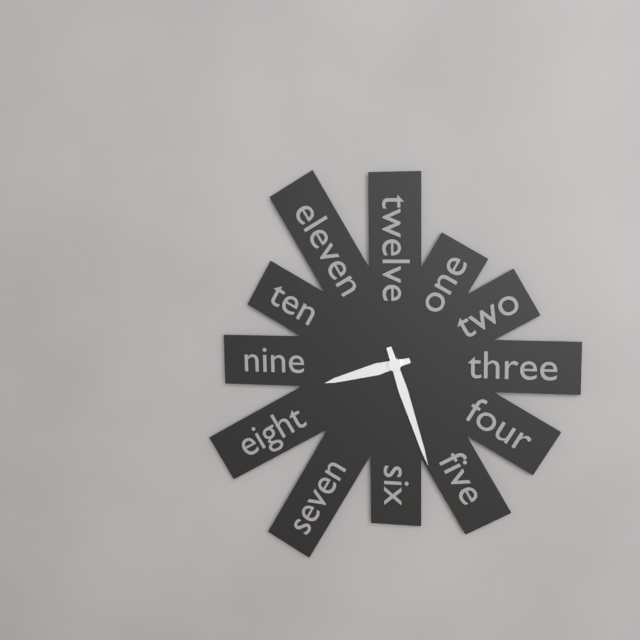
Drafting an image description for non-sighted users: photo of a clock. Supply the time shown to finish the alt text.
8:27
